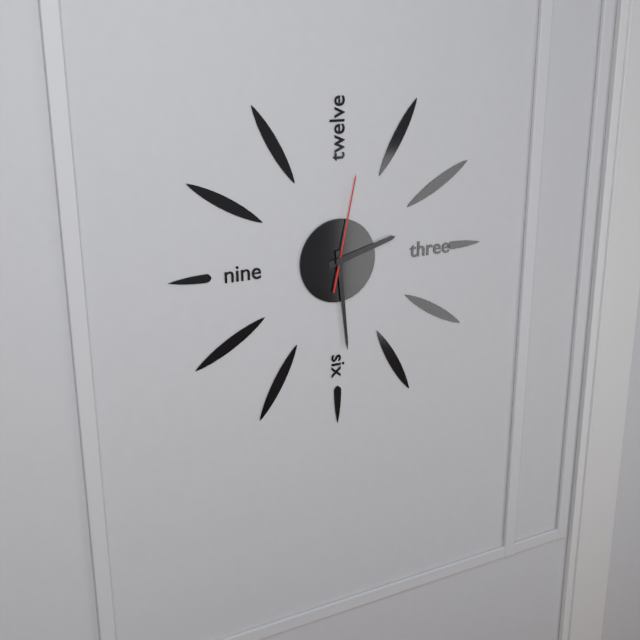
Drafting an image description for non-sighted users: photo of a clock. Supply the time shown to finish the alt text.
2:29:02
